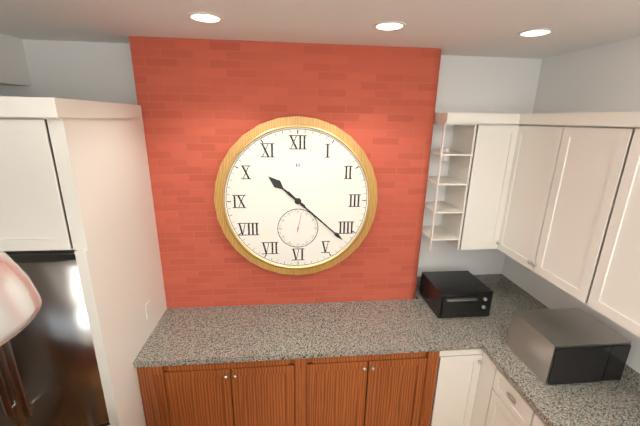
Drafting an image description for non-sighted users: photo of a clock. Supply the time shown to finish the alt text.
10:22
